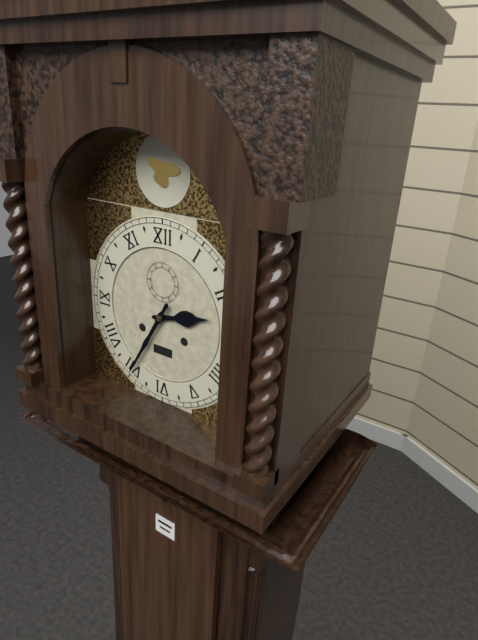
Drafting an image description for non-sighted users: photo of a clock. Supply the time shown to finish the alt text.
2:35
